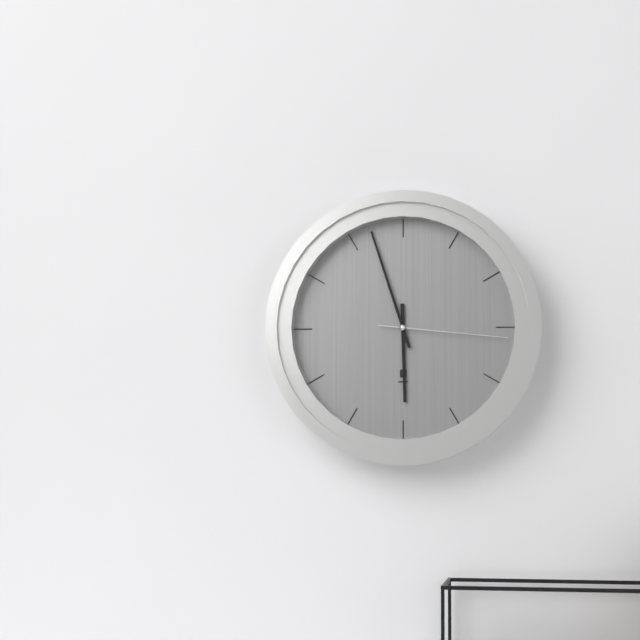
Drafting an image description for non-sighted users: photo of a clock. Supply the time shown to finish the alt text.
5:57:16
